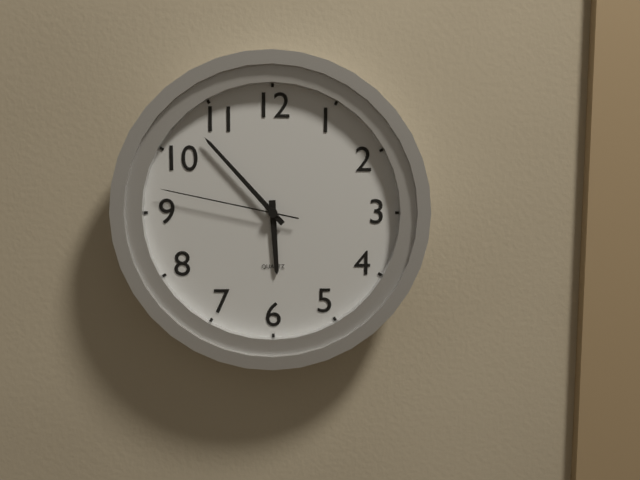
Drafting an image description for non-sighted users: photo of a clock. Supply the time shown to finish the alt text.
5:53:47
